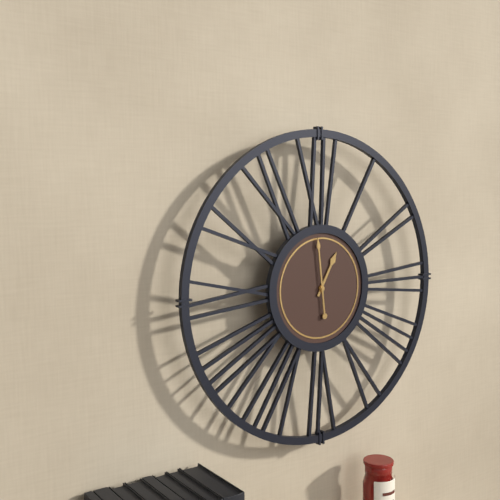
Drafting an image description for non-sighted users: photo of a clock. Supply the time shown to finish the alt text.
12:59
